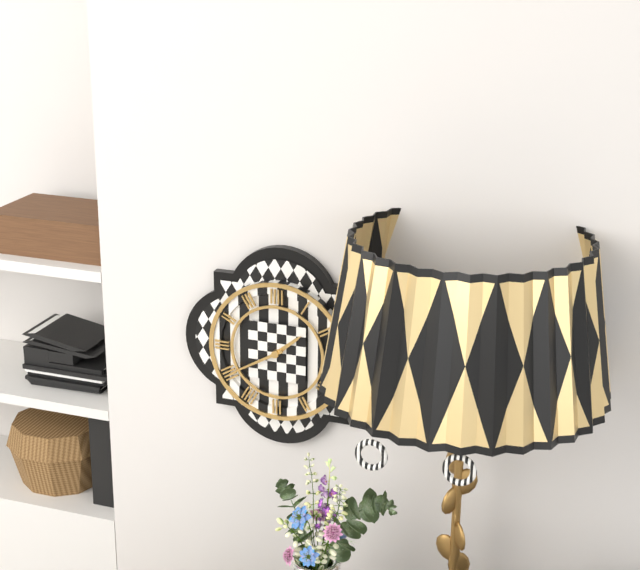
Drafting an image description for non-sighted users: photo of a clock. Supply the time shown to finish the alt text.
1:40
